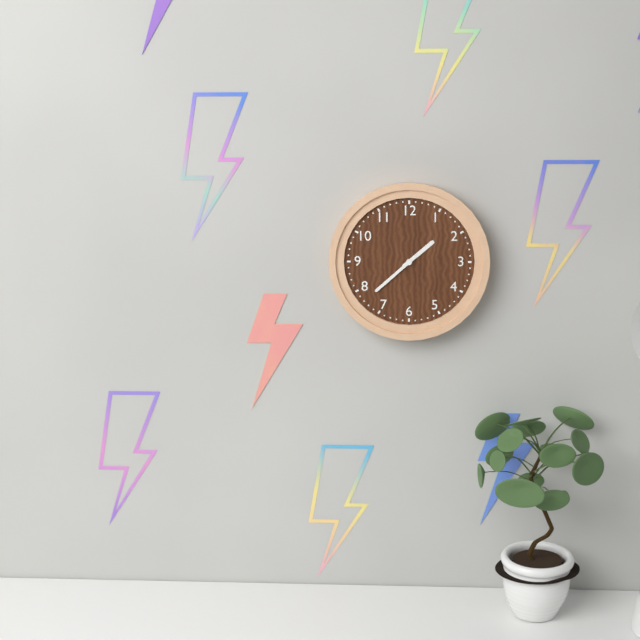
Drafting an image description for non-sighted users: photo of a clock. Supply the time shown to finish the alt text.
1:38
